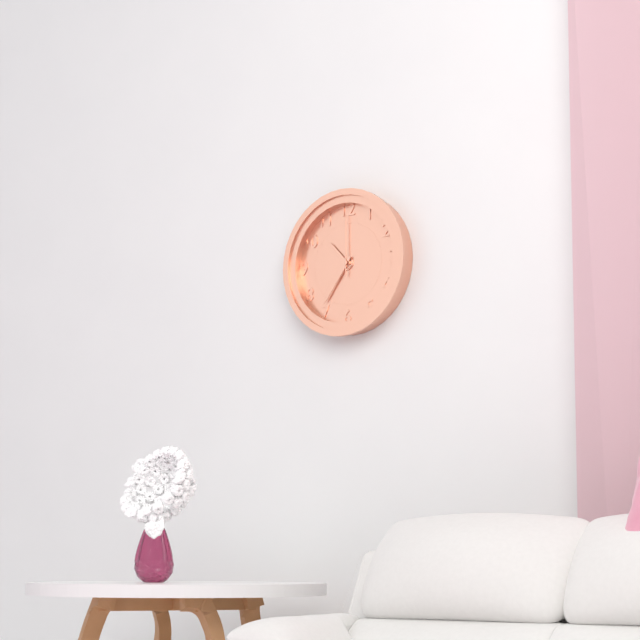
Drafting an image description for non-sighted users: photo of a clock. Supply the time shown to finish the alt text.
10:36:00
